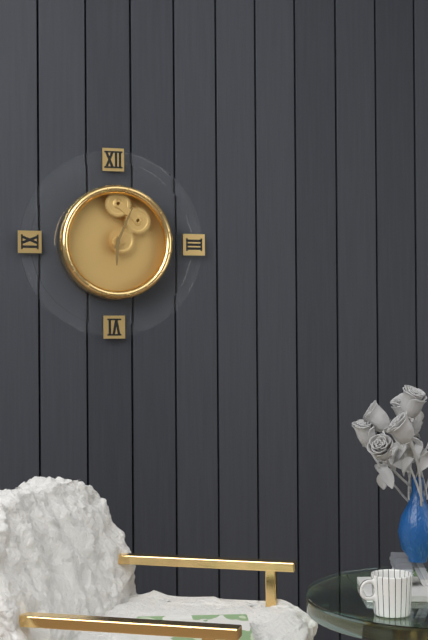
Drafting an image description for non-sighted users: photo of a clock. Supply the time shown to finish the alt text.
6:04
